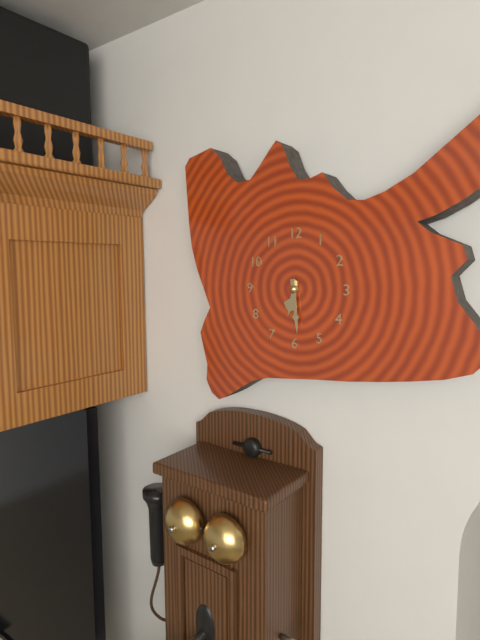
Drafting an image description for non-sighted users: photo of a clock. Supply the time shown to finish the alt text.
6:29
